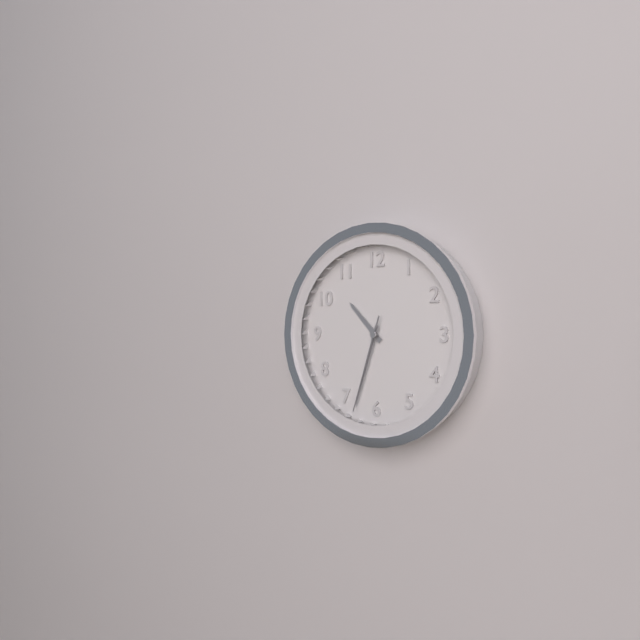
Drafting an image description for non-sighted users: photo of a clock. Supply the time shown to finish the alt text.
10:33:33
